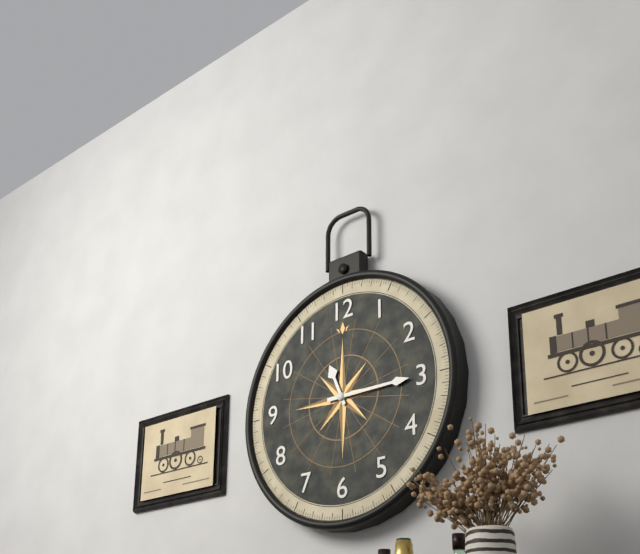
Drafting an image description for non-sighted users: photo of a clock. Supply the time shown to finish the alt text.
11:15
